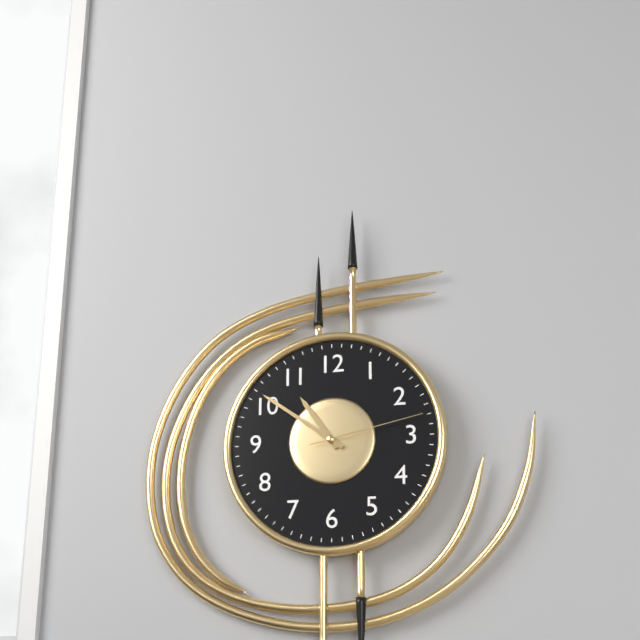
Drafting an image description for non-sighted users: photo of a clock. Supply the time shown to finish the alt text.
10:51:13
